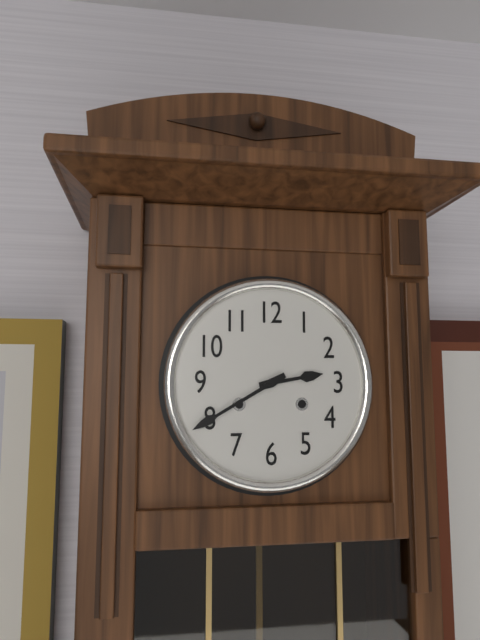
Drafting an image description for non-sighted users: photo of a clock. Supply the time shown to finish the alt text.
2:40
